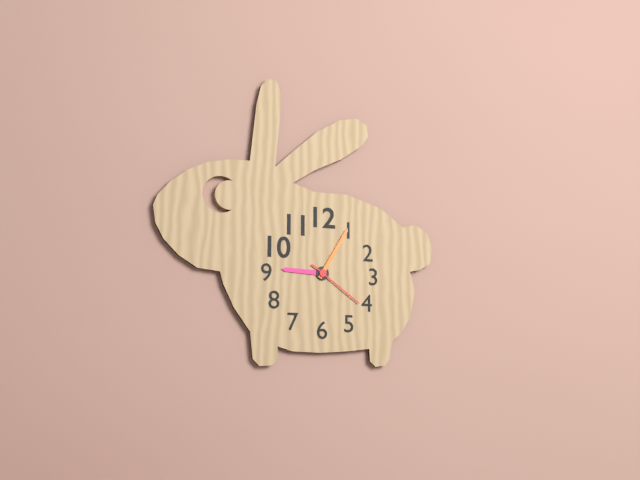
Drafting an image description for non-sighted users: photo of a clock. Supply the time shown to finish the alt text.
9:05:21
